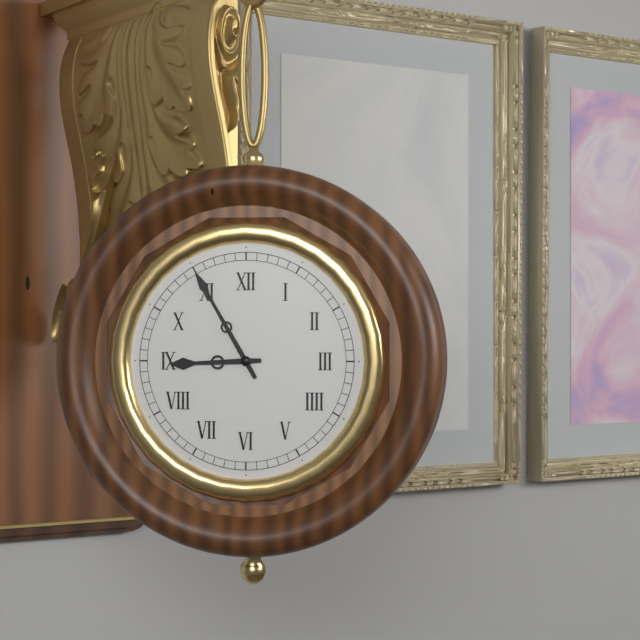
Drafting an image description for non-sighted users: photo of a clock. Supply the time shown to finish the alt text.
8:55
